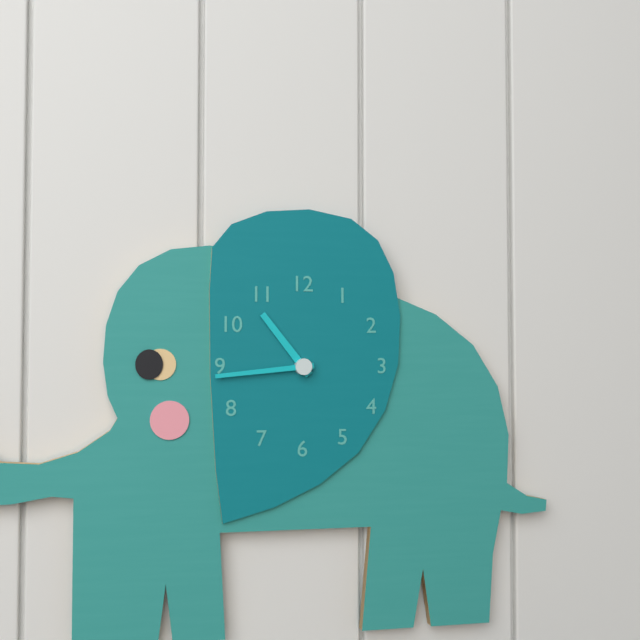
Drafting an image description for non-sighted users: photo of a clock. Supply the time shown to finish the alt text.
10:44
